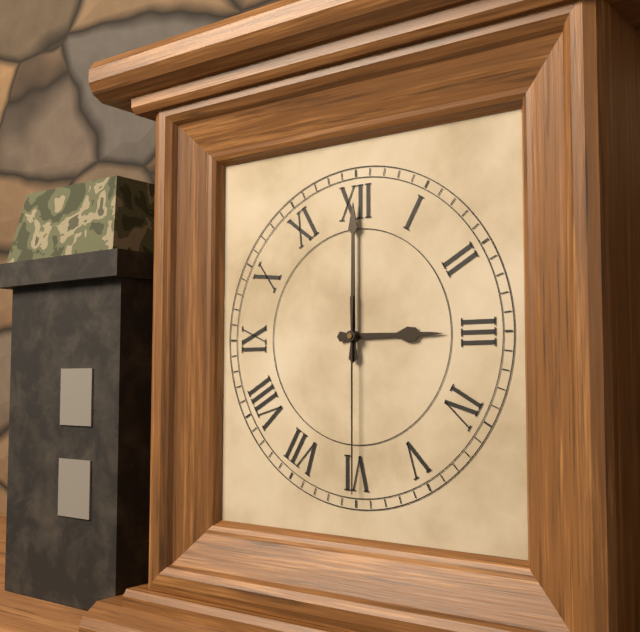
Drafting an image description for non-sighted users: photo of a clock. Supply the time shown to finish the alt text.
3:00:30
